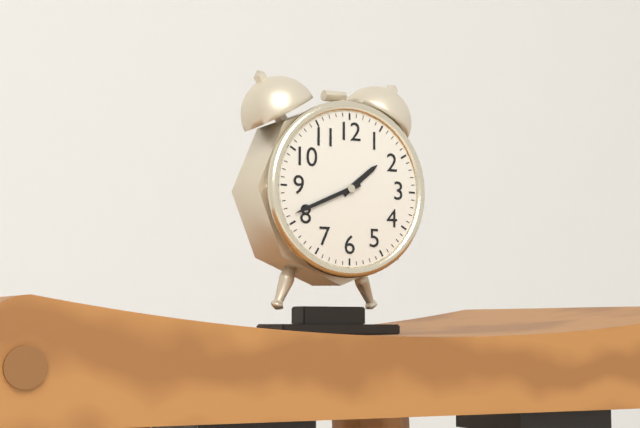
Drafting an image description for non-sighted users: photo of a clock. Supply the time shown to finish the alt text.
1:41
